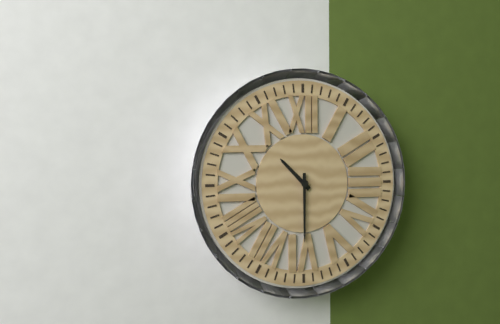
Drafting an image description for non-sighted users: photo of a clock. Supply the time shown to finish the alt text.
10:30
